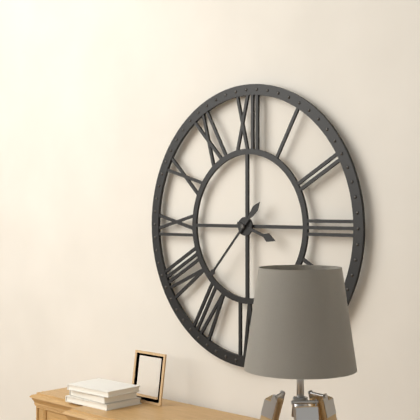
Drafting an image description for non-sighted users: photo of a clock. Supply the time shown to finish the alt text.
3:37
